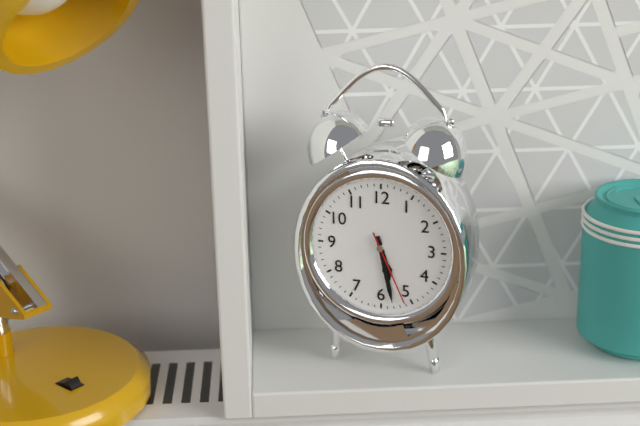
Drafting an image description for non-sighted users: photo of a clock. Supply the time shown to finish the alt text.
5:28:26
